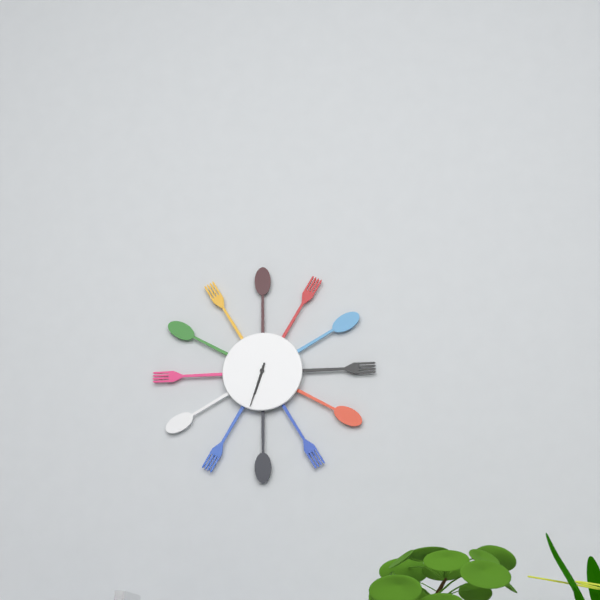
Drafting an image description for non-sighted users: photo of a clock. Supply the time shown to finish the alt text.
6:33
